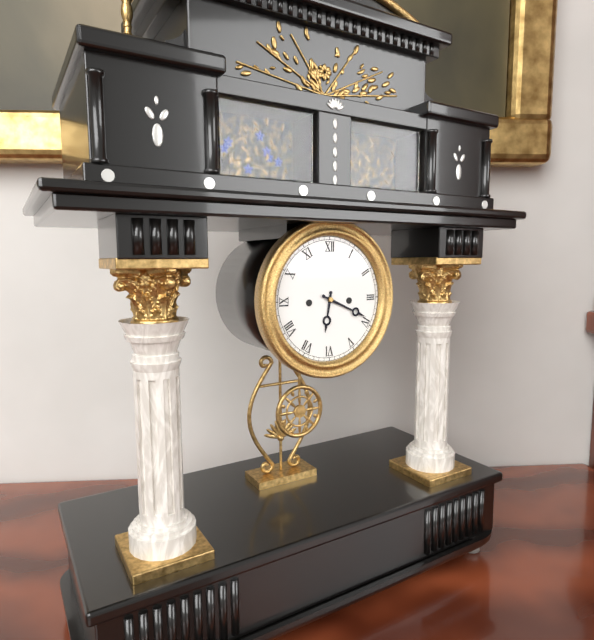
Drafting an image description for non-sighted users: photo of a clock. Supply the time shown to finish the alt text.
6:19
